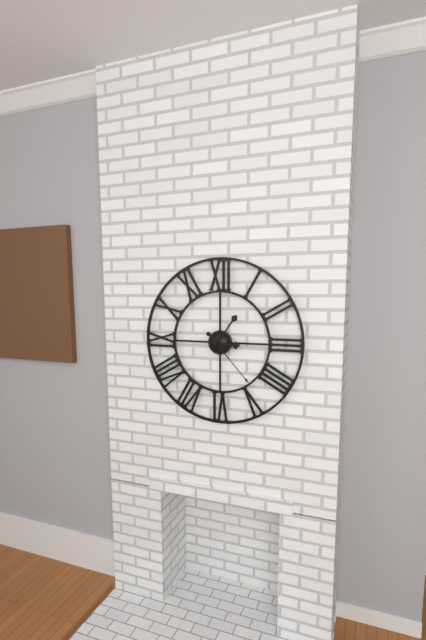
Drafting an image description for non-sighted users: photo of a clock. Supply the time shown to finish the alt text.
3:06:23
